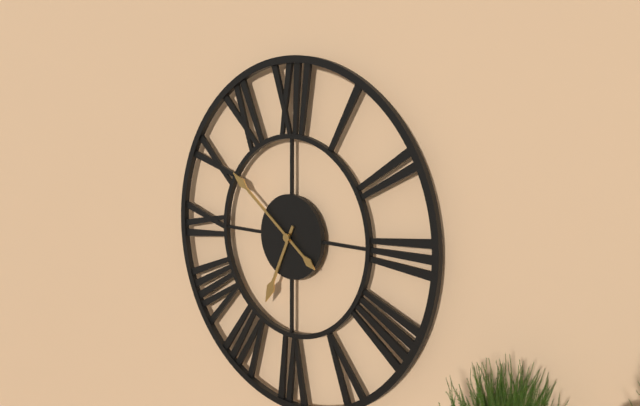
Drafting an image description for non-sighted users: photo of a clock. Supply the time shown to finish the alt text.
6:51
